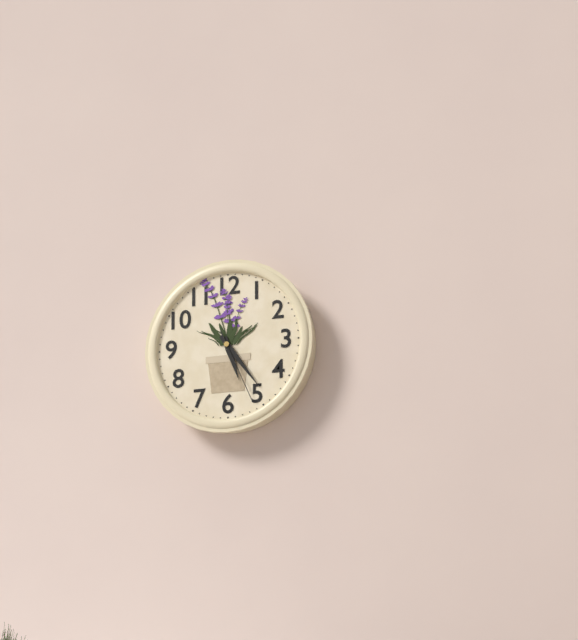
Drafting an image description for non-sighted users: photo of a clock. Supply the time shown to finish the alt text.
5:24:26
